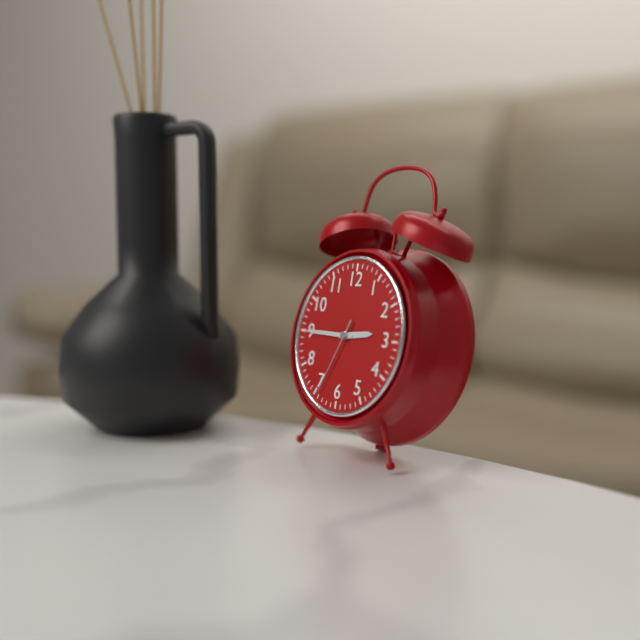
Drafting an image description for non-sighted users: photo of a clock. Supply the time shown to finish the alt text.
2:45:34
